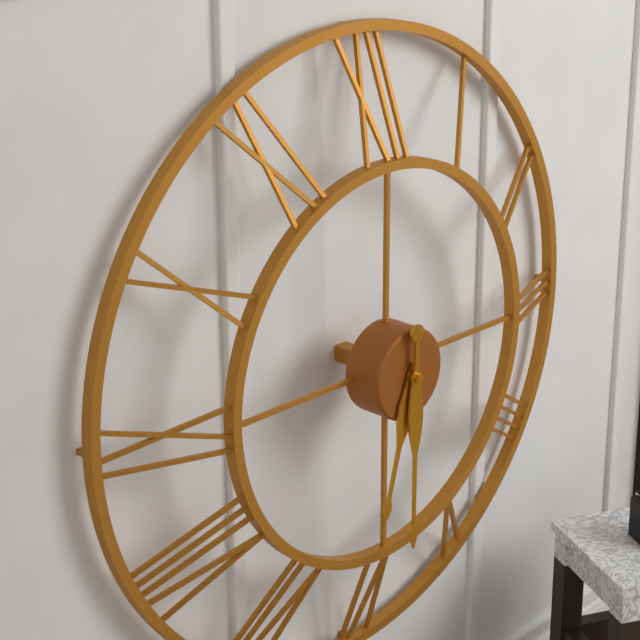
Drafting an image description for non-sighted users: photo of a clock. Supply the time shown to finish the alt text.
6:30
